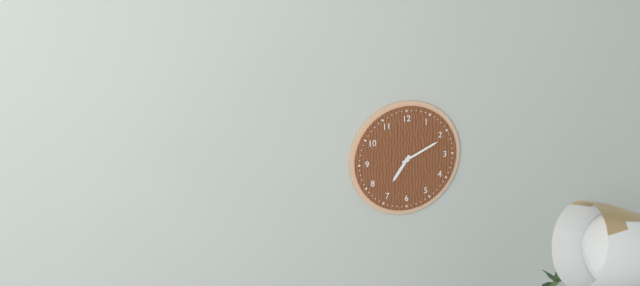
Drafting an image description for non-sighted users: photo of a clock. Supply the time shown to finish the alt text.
7:11
